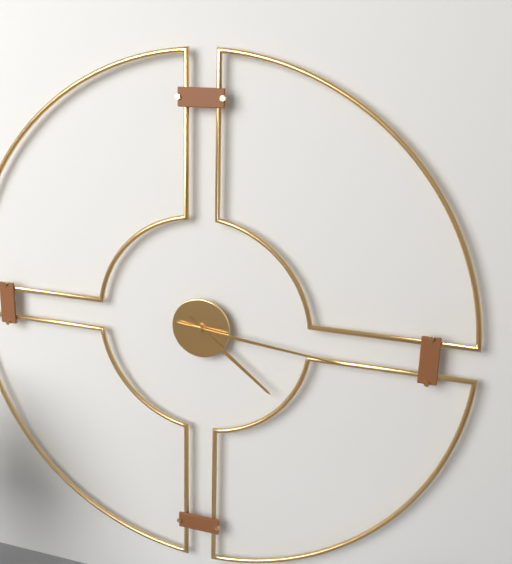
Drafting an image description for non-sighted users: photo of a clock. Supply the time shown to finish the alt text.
4:16
